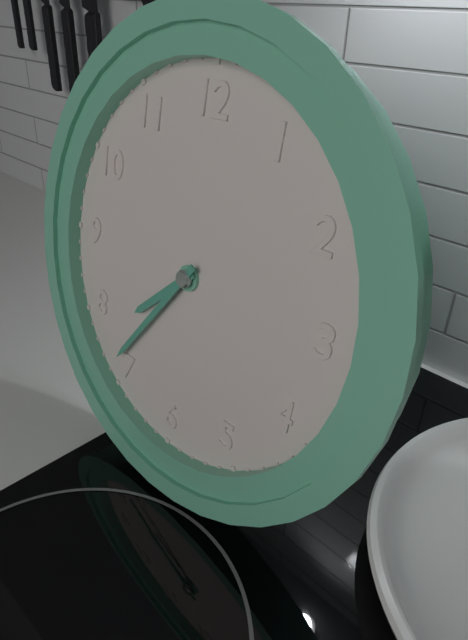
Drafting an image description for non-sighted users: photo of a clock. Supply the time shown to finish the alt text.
7:36
